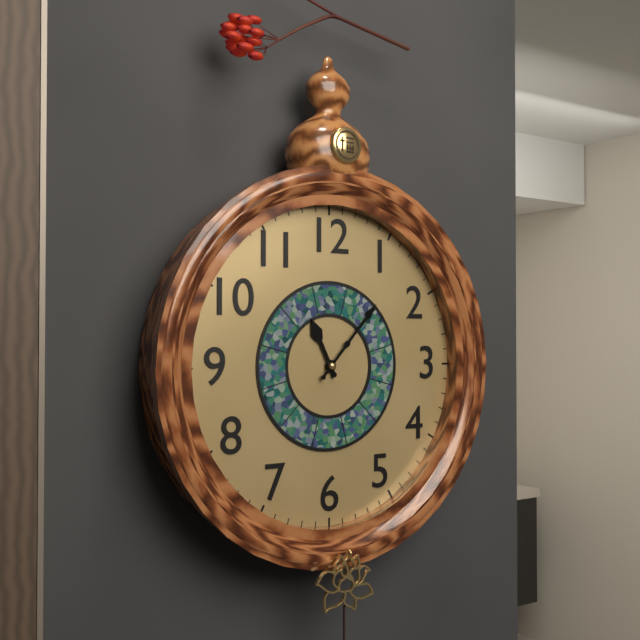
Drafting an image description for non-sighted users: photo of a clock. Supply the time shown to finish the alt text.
11:07:07
